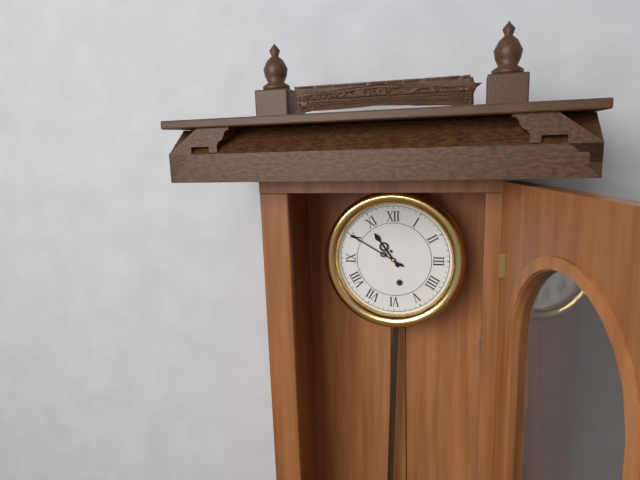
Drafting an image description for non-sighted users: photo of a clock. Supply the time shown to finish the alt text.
10:50
